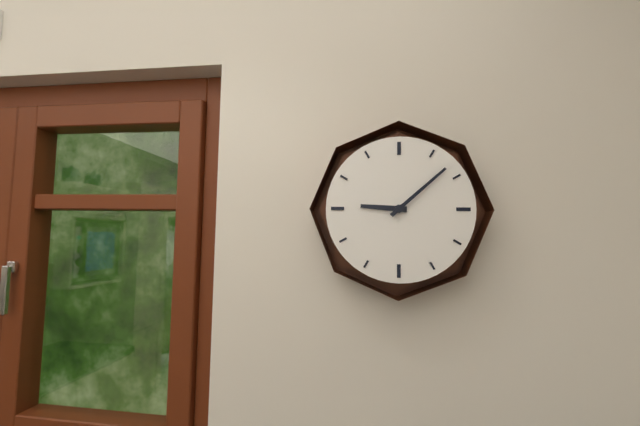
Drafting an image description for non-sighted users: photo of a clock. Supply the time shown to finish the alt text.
9:08
